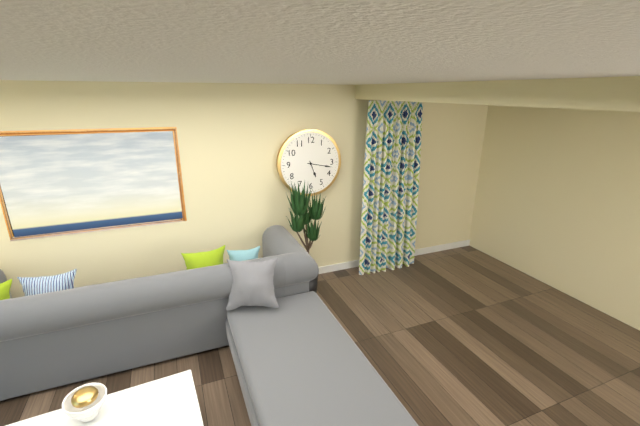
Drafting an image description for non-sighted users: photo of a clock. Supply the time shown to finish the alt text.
5:17
